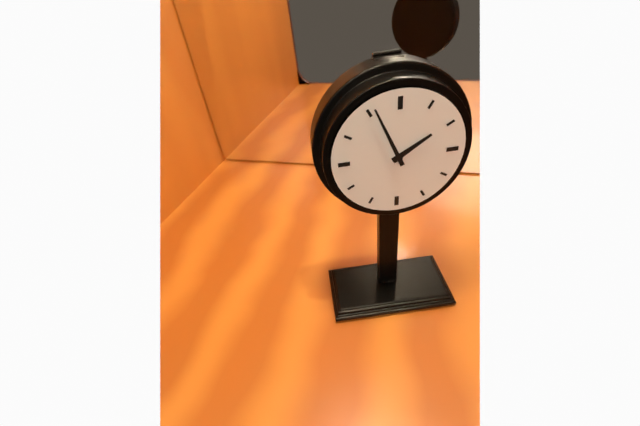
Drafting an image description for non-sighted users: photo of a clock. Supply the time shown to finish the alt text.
1:56
